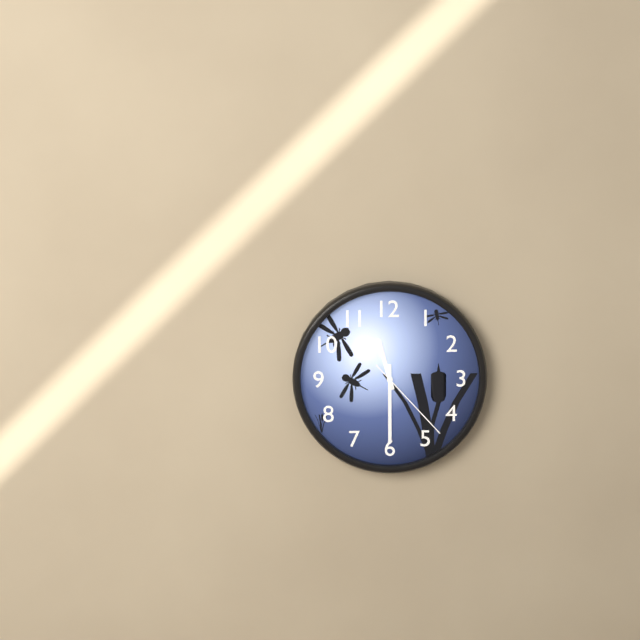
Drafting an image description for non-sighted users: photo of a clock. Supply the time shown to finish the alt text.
11:30:23
